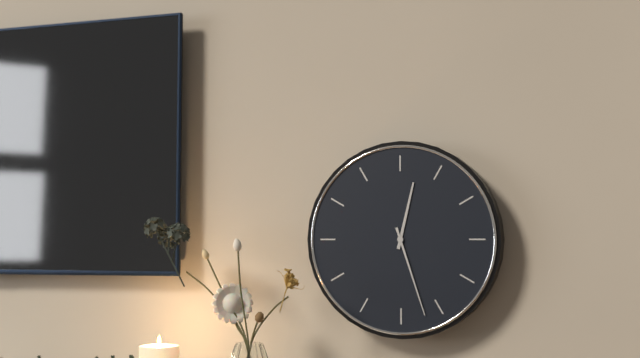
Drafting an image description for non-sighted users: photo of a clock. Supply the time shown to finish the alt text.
12:27
